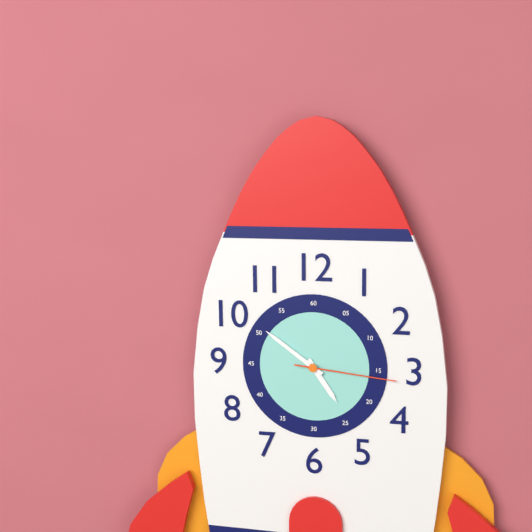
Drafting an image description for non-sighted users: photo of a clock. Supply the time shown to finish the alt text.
4:51:16
